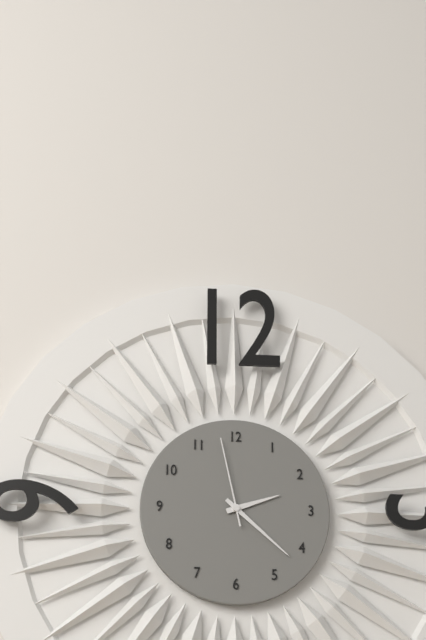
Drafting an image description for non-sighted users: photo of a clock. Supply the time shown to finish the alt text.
2:22:58
